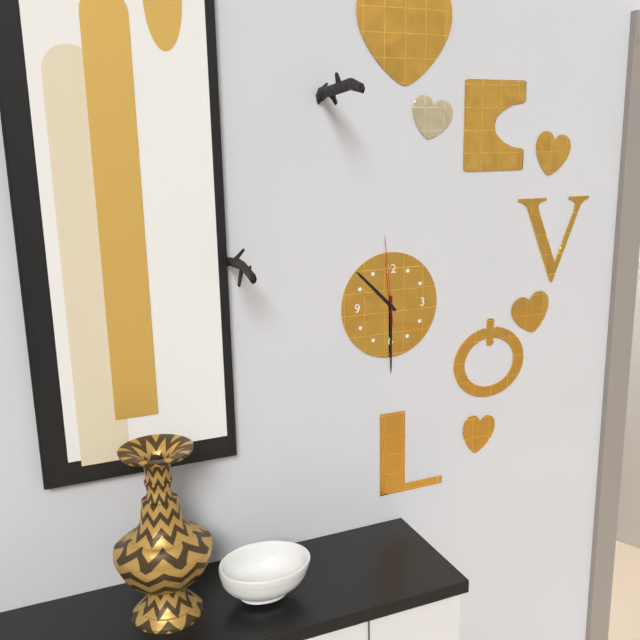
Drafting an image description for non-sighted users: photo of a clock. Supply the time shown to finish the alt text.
10:30:59
